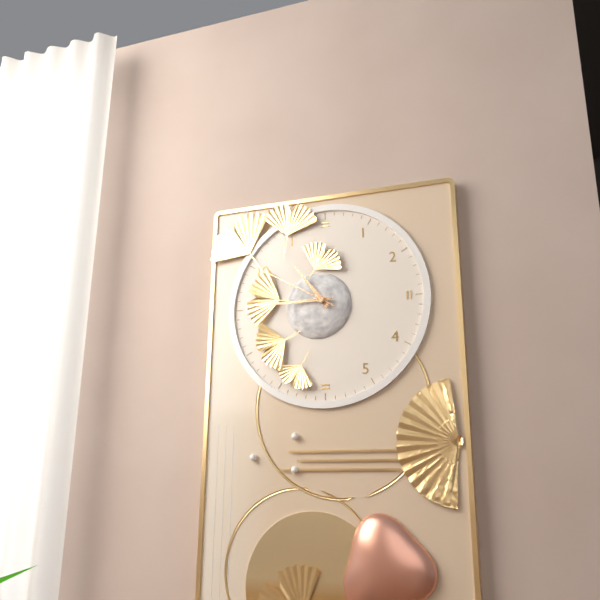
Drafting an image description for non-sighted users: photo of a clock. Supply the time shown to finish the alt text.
10:45:50
